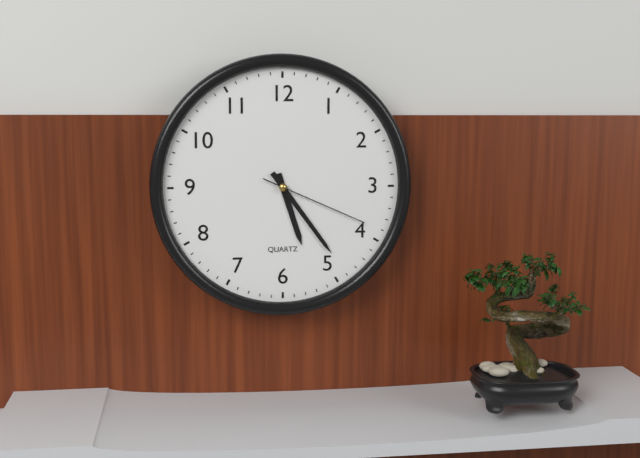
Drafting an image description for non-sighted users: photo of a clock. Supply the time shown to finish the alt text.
5:24:19
